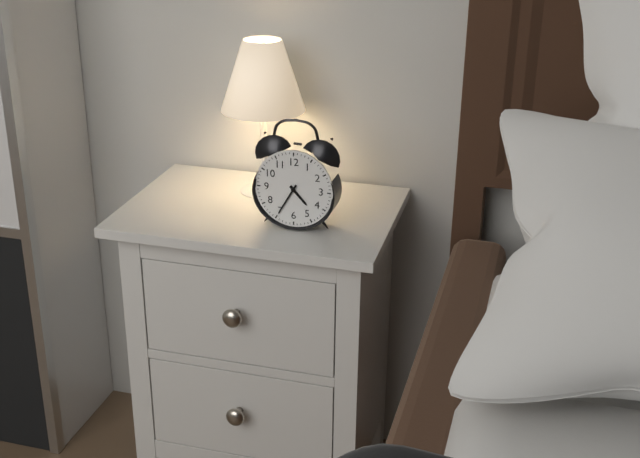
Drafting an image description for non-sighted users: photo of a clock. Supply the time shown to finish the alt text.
4:35
